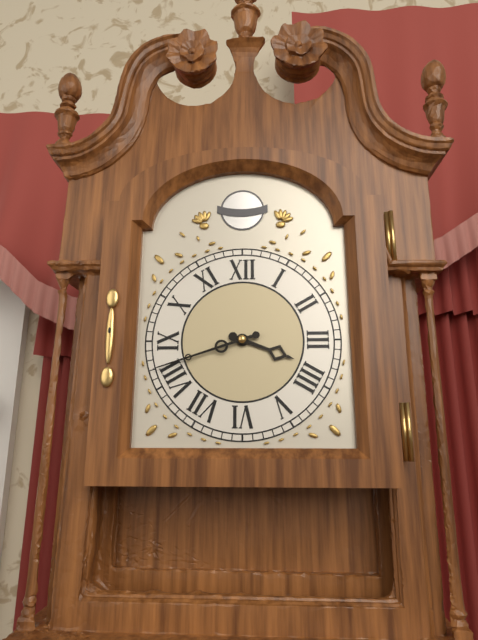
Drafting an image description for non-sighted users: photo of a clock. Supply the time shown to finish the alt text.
3:42
